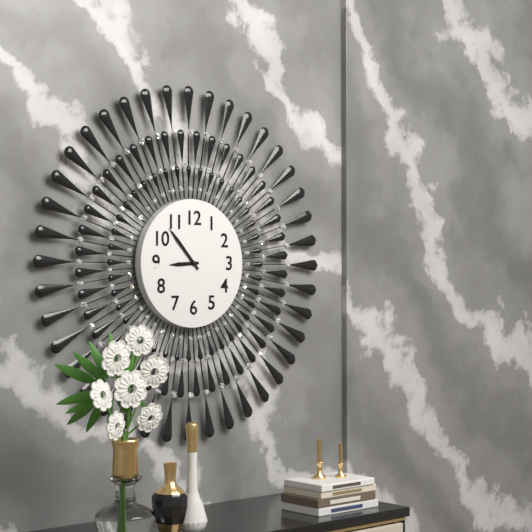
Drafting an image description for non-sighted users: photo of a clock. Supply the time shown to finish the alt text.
8:53
